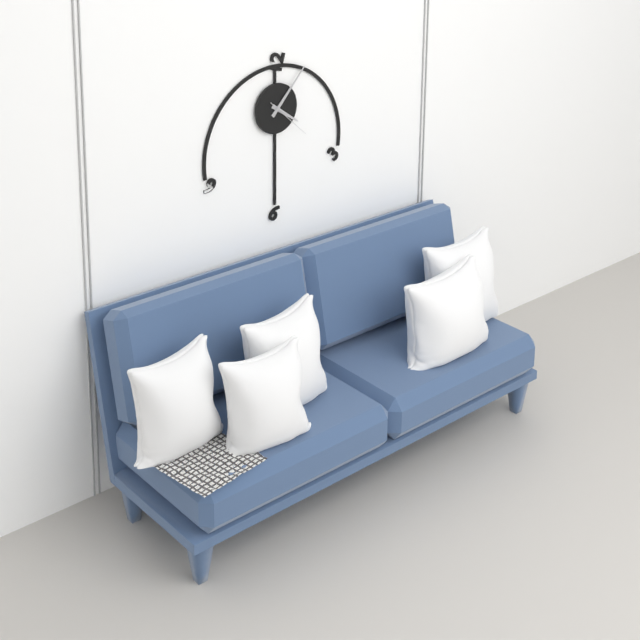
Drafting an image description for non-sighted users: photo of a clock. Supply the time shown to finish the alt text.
4:07
